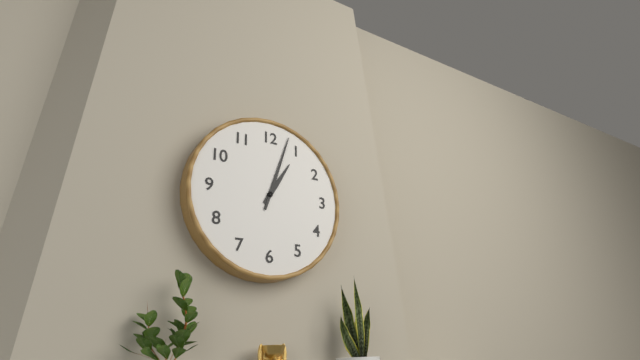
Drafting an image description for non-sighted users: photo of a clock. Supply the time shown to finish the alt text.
1:03
